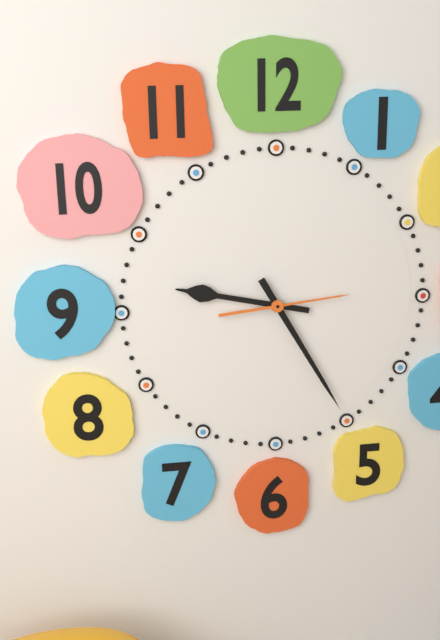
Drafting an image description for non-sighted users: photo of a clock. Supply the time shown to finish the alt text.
9:25:14
